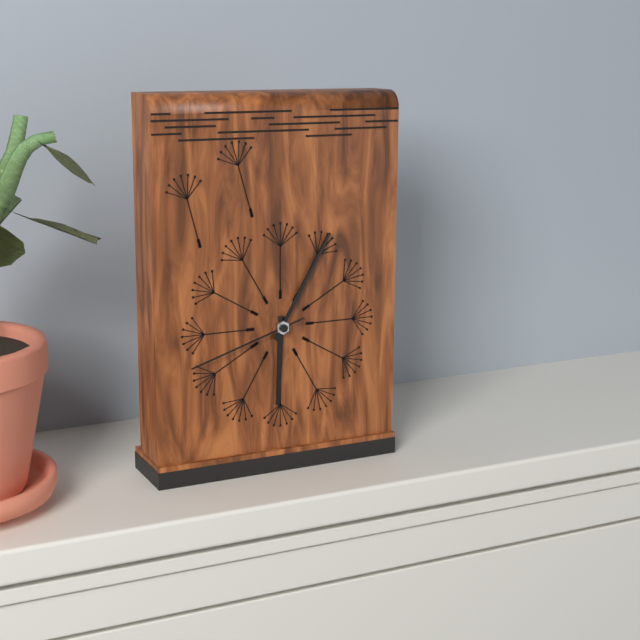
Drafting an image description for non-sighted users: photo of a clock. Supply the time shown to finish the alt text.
6:05:42
